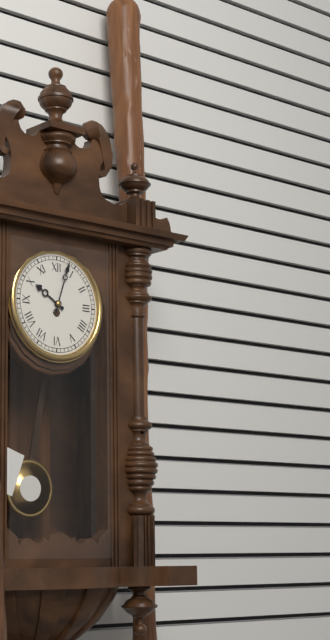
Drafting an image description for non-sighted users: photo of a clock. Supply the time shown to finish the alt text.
10:03
